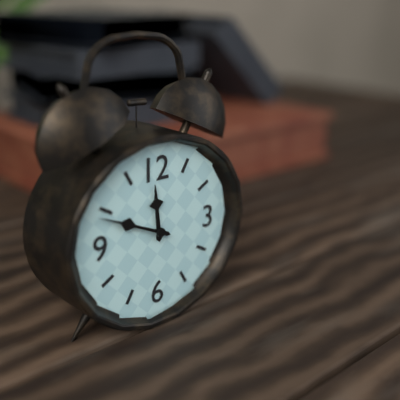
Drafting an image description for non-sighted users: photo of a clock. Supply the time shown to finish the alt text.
11:49
